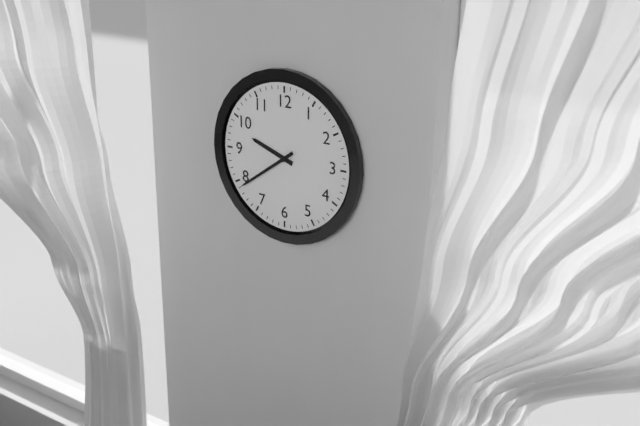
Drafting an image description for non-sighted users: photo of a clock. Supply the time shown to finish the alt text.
9:39
